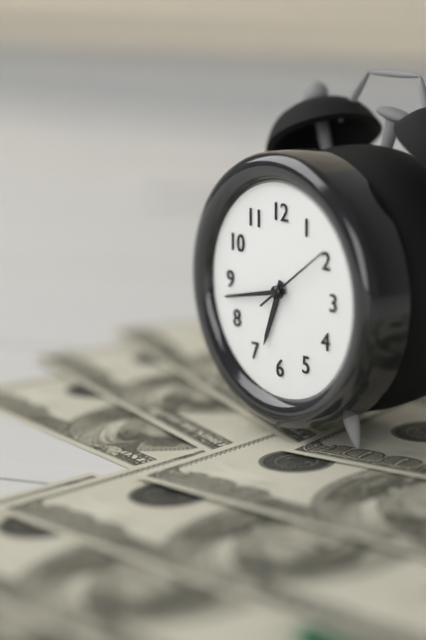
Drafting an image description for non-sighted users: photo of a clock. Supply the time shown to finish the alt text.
6:43:09
